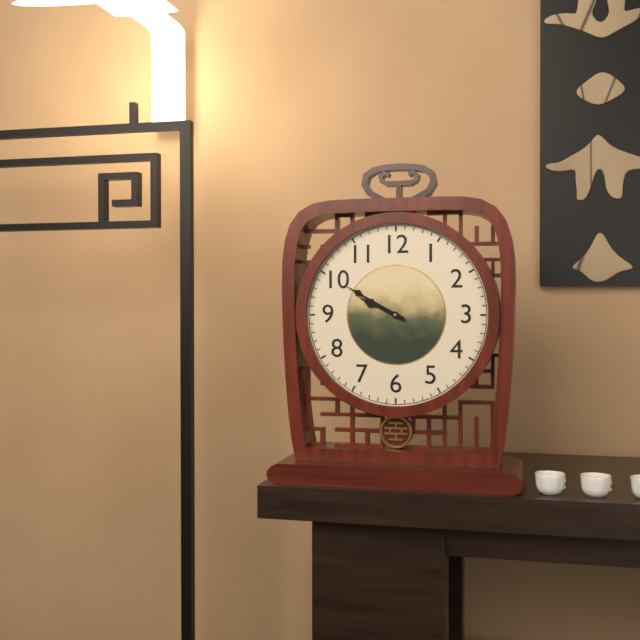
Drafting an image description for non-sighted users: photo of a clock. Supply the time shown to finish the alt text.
9:50
